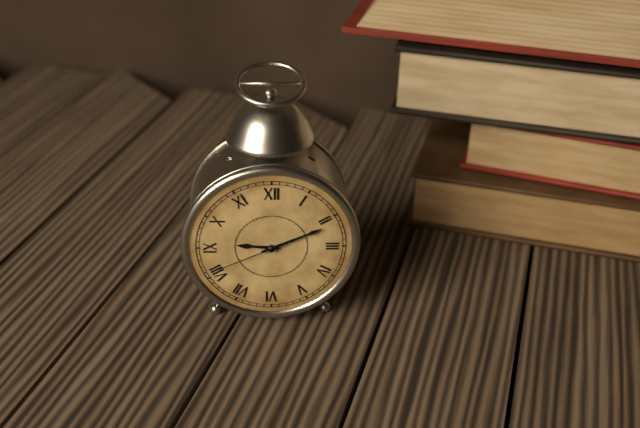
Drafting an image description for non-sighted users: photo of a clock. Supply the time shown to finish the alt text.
9:11:41
